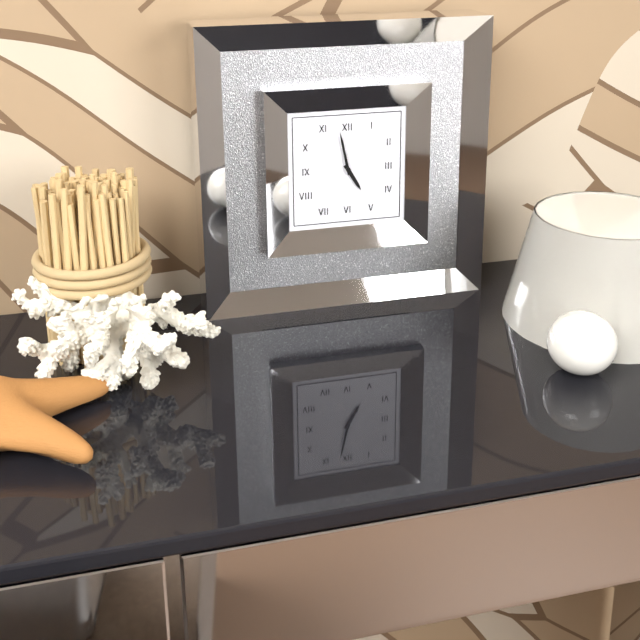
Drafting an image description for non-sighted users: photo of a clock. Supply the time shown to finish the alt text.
4:58
